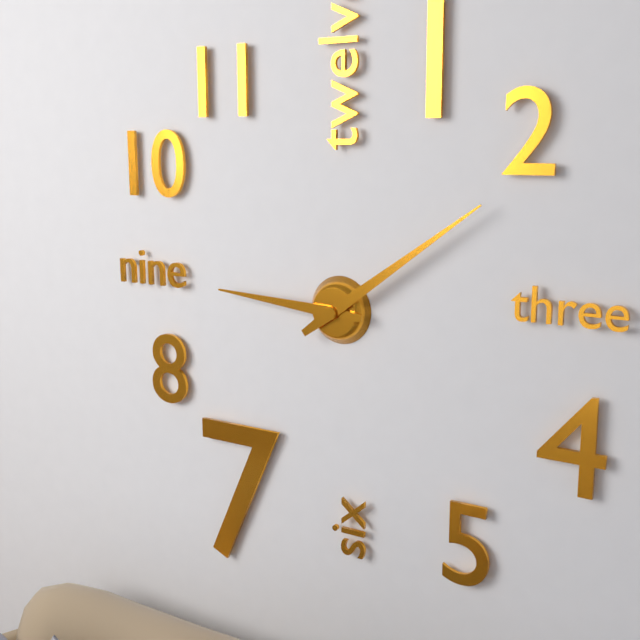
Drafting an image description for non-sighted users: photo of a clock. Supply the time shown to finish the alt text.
9:09
